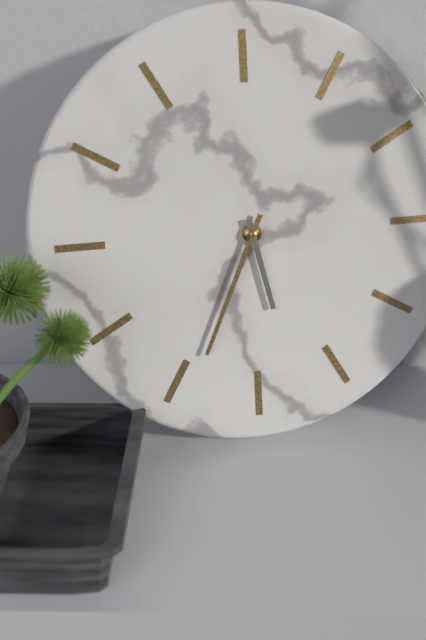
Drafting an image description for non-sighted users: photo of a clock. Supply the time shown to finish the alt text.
5:34
